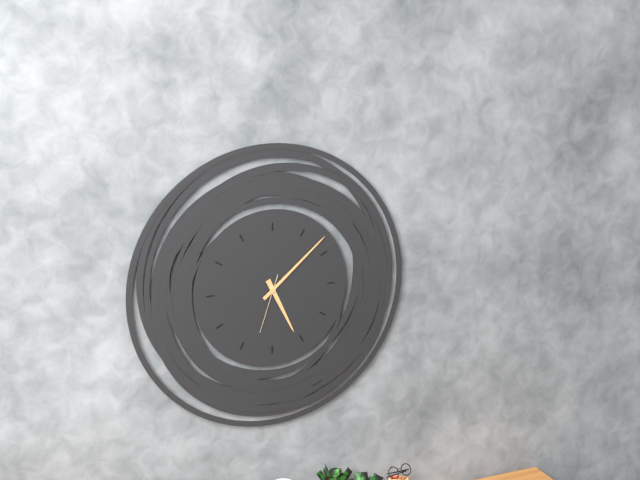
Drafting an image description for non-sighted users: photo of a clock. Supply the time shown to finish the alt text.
5:08:33
